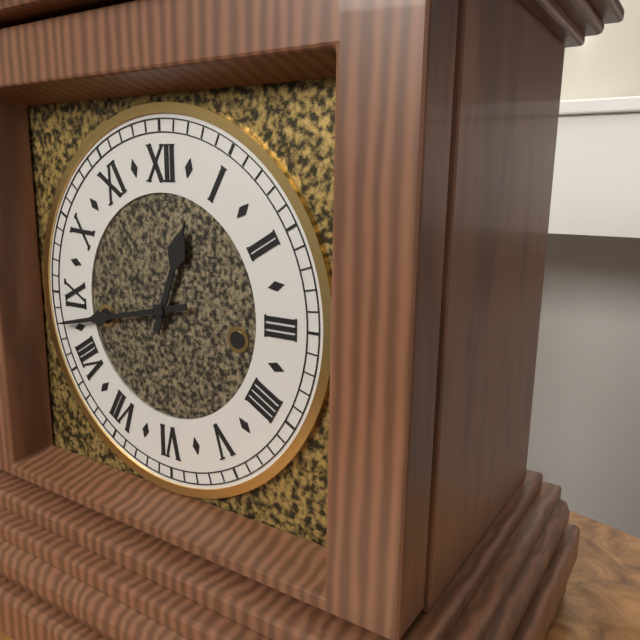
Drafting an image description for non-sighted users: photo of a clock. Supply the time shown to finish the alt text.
12:43
